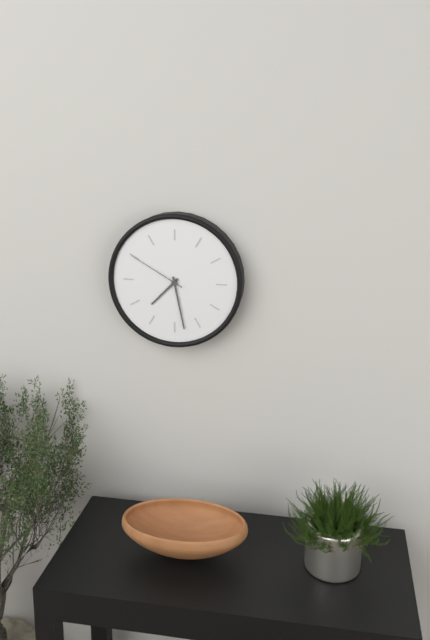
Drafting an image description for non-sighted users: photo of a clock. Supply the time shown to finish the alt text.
7:28:50
